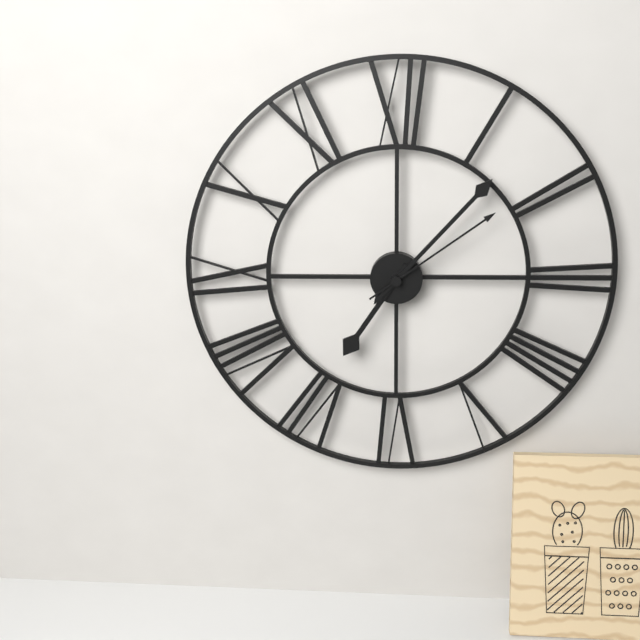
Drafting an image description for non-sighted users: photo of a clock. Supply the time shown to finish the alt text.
7:07:09
